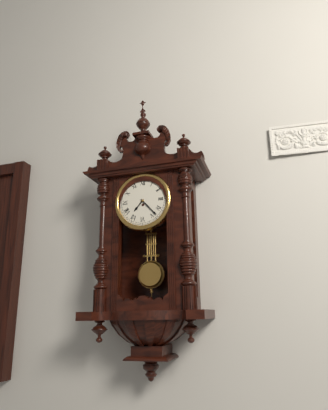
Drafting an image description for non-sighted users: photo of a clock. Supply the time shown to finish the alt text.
7:23
